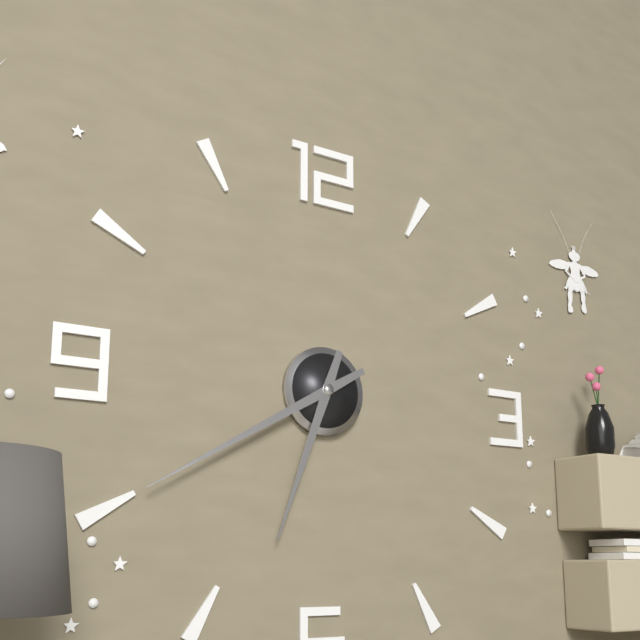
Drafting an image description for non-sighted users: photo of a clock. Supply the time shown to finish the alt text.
6:40
